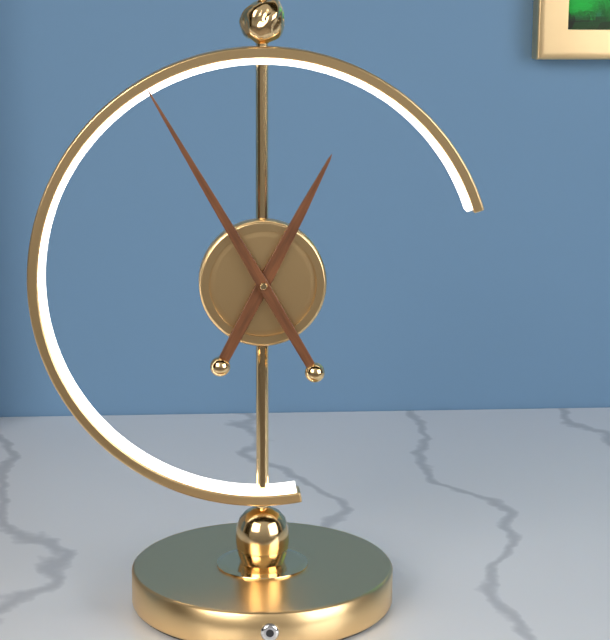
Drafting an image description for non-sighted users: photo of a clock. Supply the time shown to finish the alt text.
12:55
